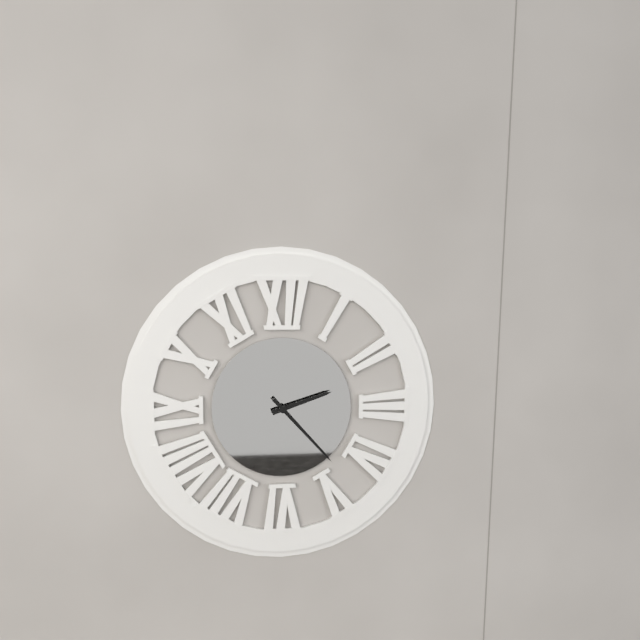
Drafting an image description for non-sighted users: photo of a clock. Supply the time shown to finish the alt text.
2:23
